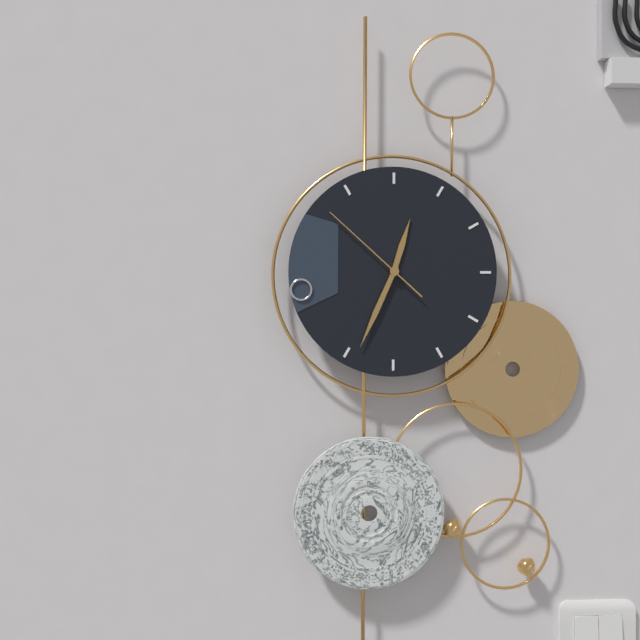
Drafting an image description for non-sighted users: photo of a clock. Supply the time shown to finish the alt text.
12:34:52
